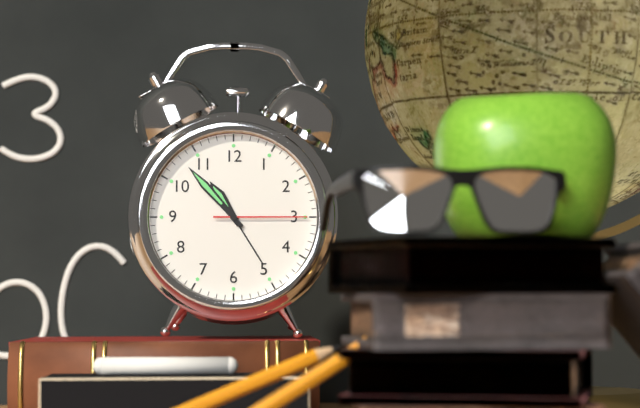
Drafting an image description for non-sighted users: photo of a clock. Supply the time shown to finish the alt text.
10:53:15
